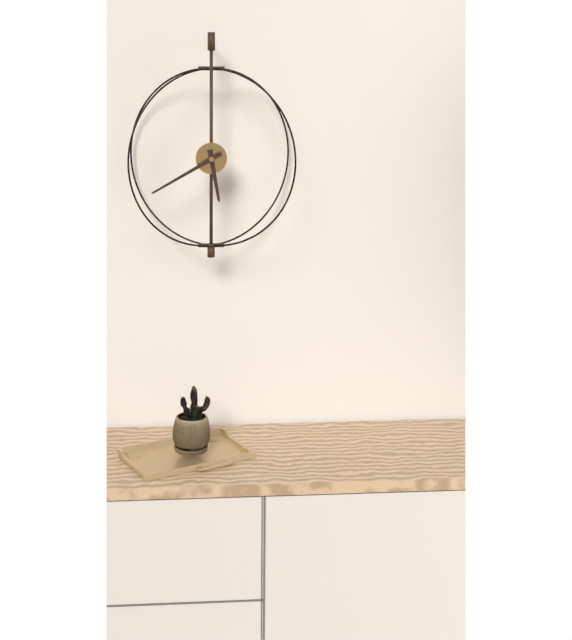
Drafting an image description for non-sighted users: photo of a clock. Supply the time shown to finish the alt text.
5:40
